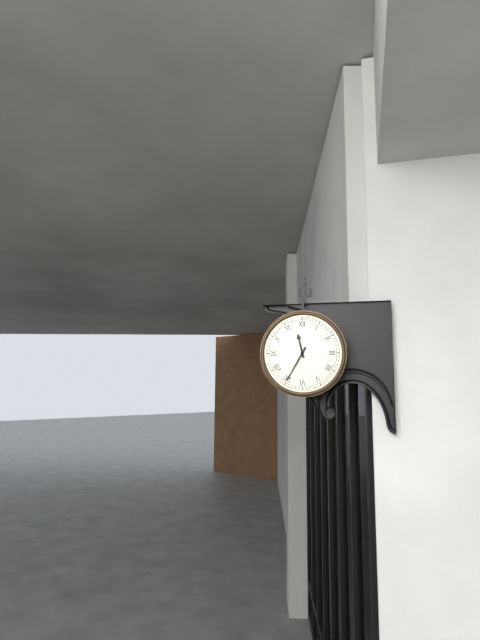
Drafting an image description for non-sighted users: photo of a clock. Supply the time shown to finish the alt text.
11:35
